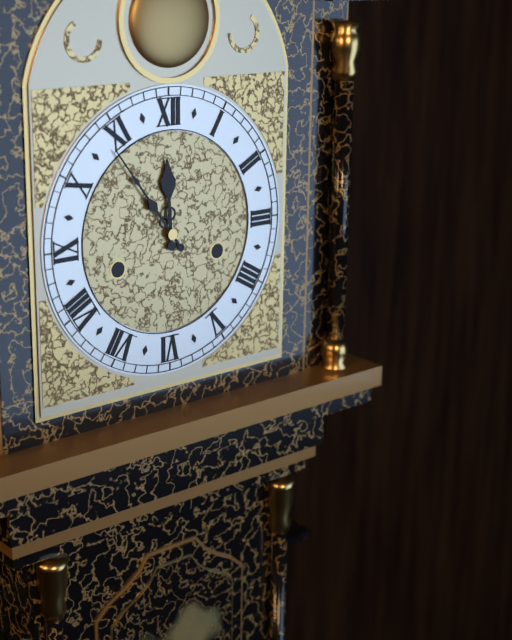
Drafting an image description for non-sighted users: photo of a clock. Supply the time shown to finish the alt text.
11:54
